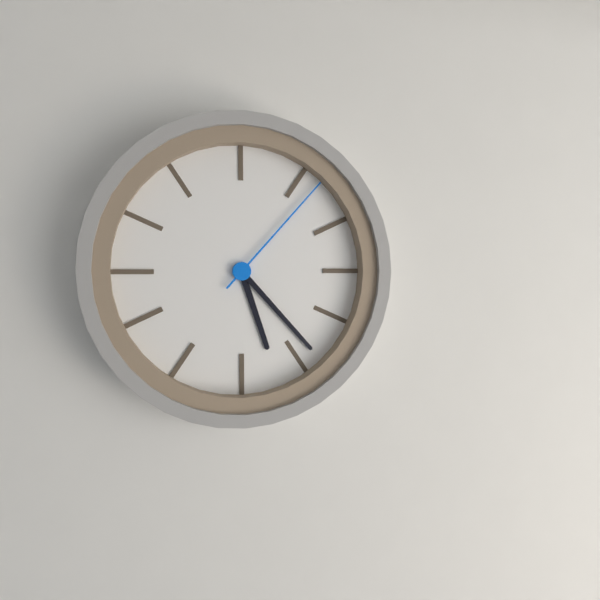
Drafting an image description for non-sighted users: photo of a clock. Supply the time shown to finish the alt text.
5:23:07
